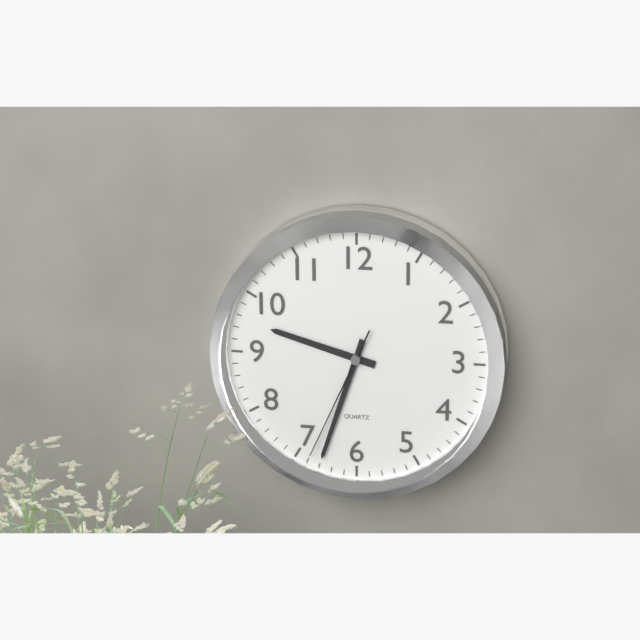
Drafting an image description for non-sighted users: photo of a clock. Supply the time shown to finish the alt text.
9:33:34
